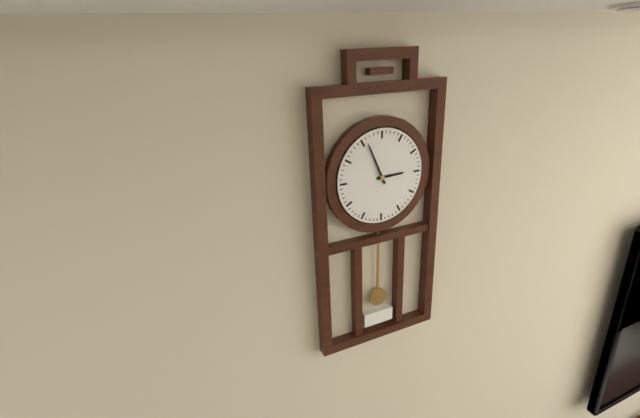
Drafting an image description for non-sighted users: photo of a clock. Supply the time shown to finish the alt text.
2:56
